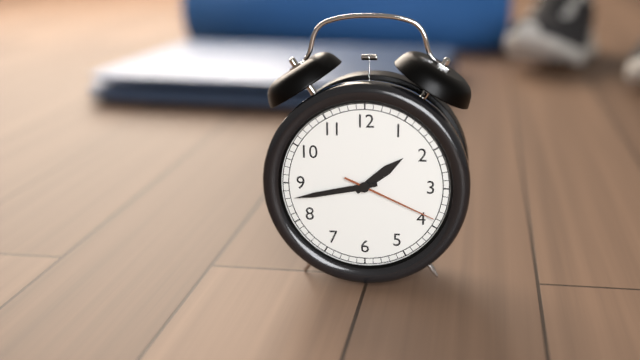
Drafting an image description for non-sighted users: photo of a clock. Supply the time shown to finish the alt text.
1:43:19
